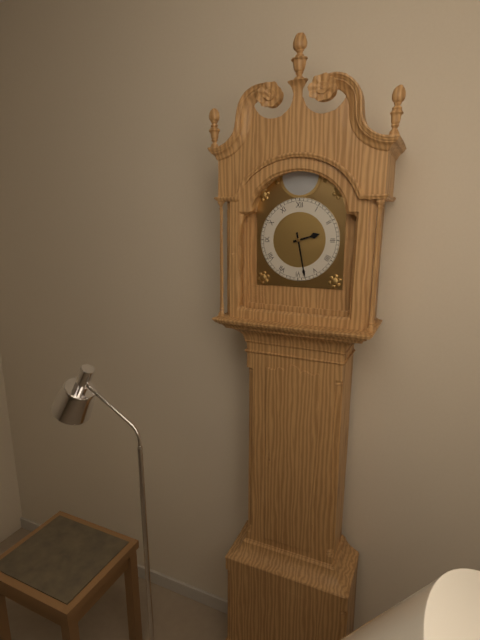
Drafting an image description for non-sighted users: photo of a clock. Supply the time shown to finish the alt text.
2:28
